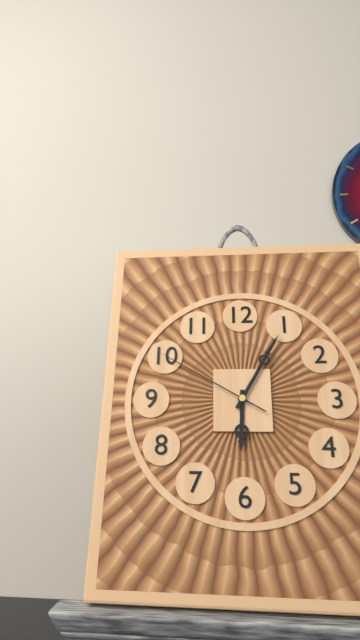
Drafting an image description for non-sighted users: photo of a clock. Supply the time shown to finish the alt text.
6:05:50
